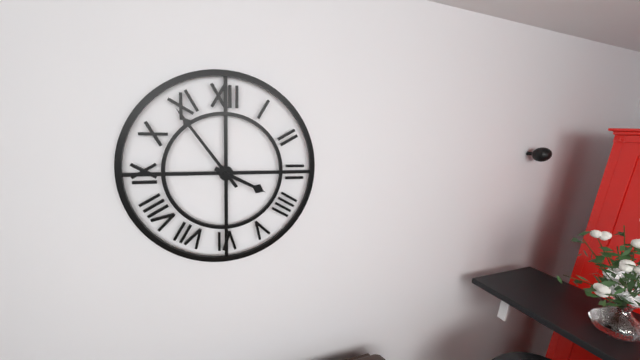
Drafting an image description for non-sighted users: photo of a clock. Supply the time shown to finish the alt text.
3:54
